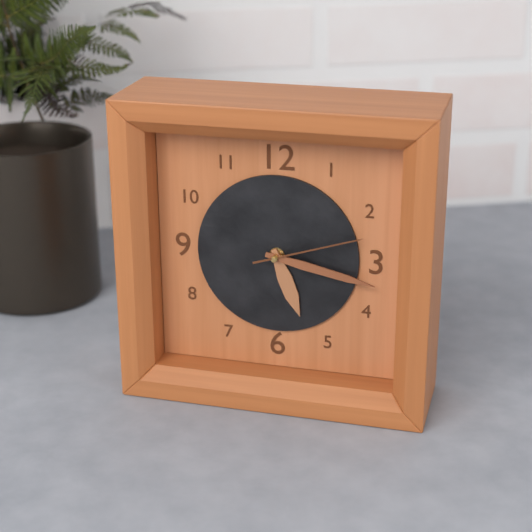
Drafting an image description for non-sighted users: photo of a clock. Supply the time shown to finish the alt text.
5:17:12
